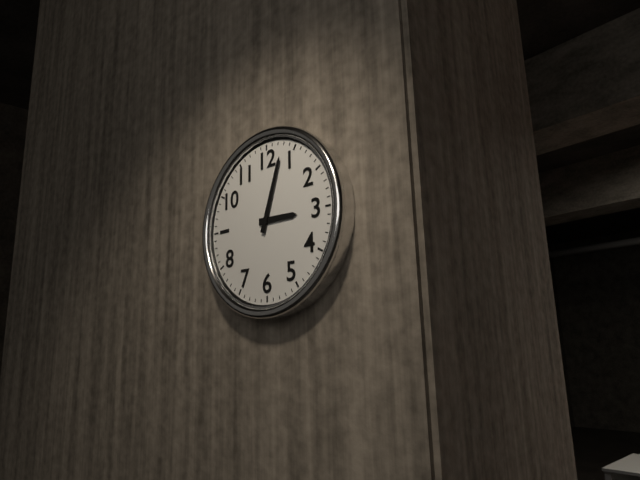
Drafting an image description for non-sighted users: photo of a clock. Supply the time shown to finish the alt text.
3:03
